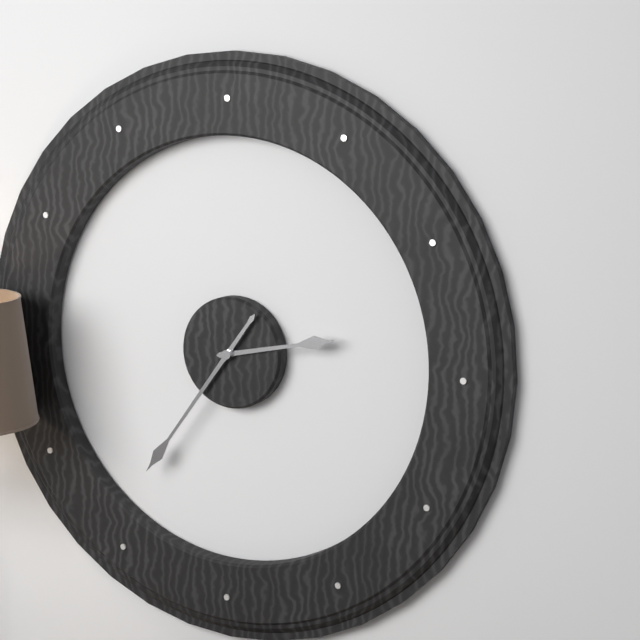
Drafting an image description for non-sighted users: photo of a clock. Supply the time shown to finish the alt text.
2:36
